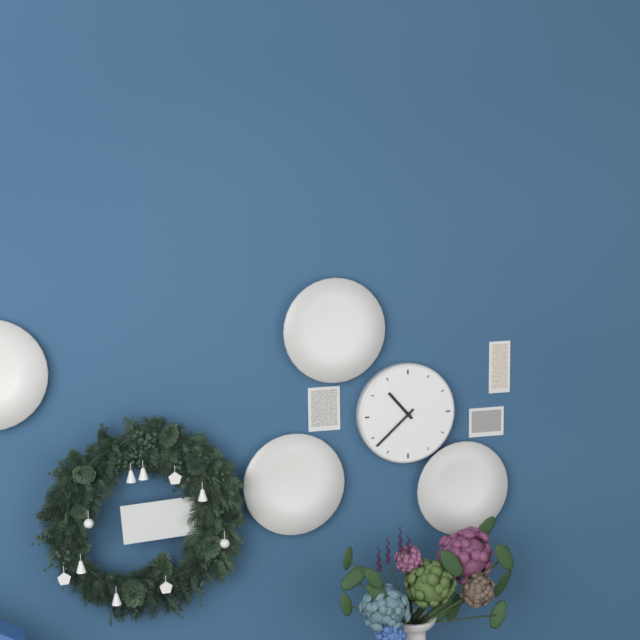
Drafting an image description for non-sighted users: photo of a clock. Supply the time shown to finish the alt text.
10:38
